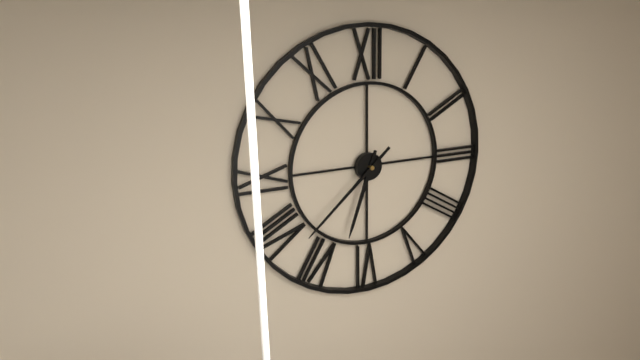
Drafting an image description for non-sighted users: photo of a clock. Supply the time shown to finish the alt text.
6:38
